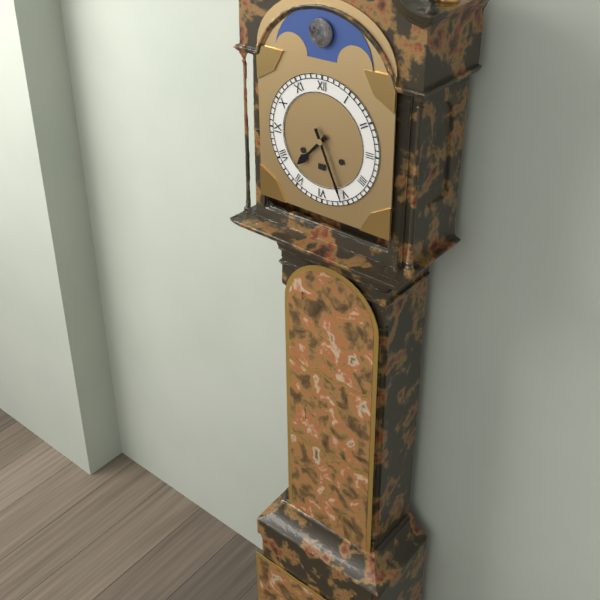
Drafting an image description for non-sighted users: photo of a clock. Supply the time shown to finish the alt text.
7:26
